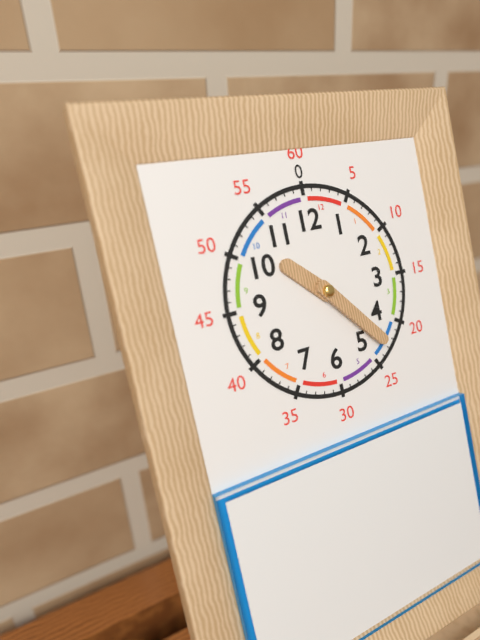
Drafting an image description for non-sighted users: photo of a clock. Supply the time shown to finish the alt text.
10:23
